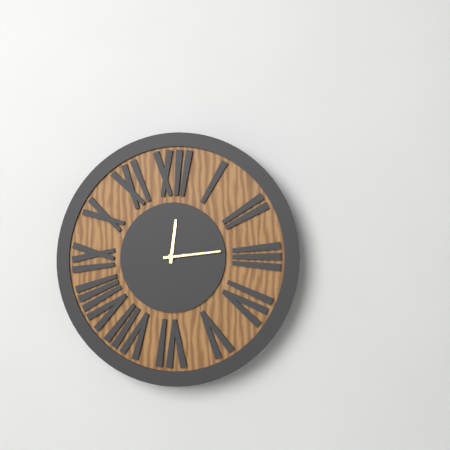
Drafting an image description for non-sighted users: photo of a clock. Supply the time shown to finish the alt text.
12:14
